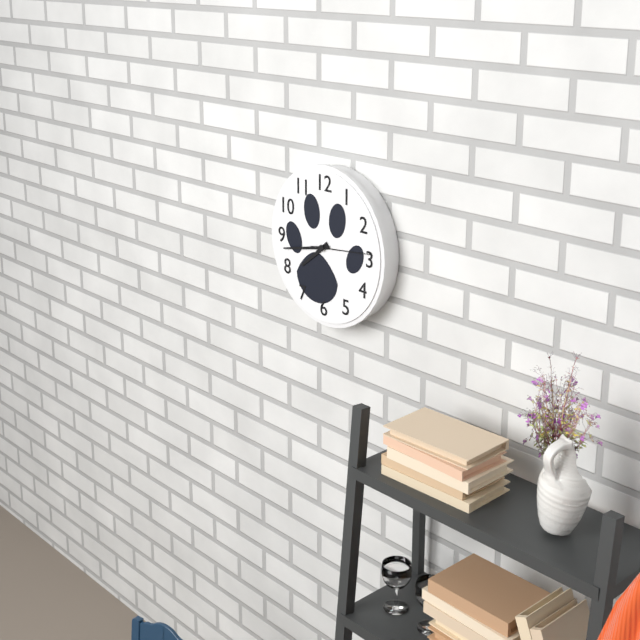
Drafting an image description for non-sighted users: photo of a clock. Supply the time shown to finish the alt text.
7:43:14
